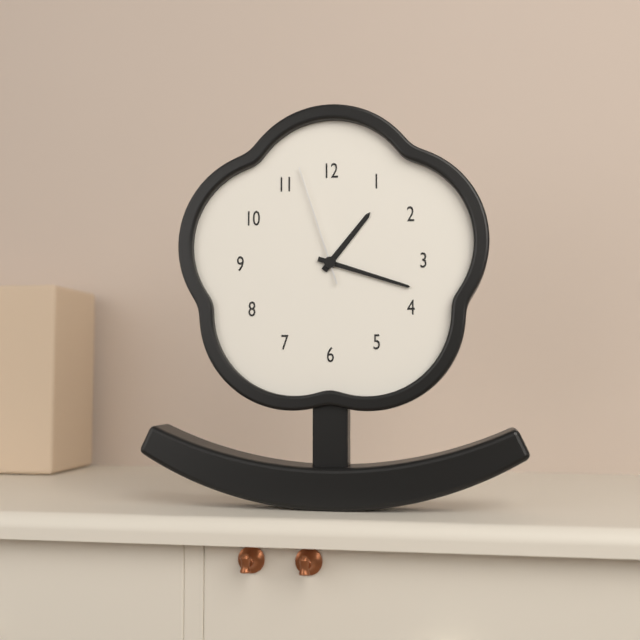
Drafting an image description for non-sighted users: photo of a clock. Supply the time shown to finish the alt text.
1:18:57
